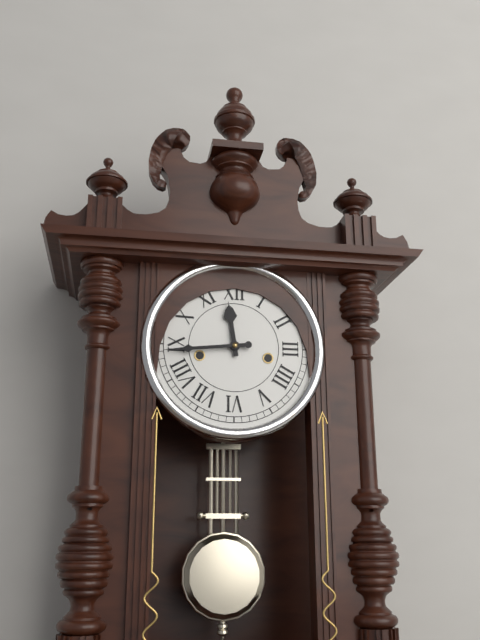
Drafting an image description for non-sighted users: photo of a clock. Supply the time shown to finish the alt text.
11:44
